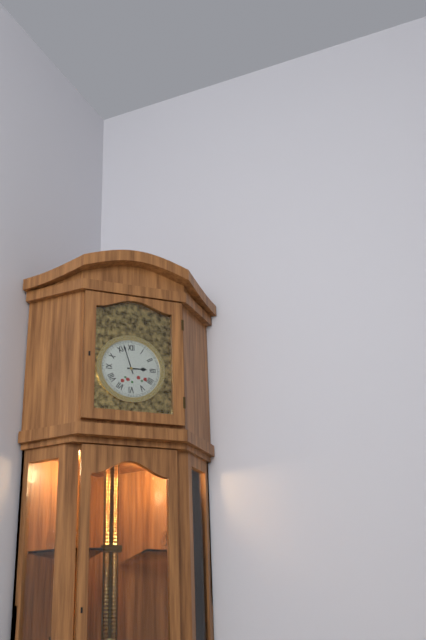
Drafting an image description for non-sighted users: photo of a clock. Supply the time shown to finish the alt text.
2:57
